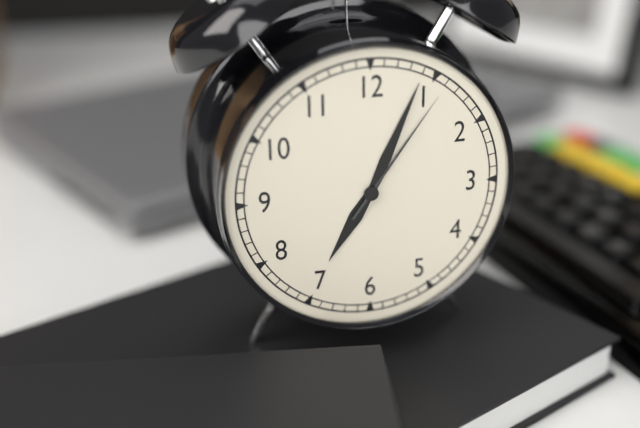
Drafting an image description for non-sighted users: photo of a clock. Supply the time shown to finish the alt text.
7:04:06
